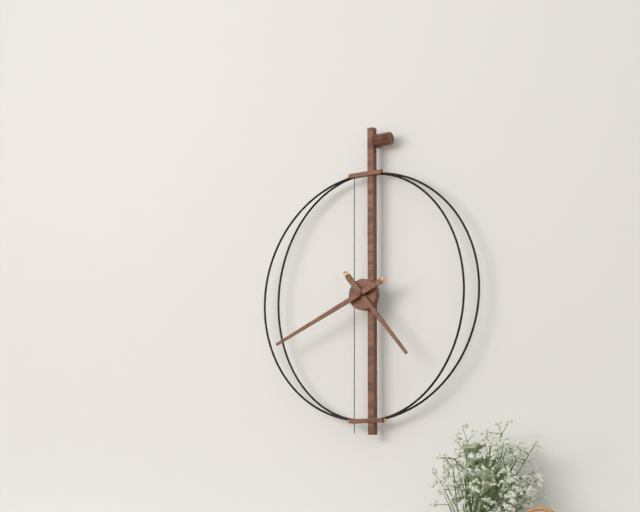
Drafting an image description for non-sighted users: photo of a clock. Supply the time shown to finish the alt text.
4:41
